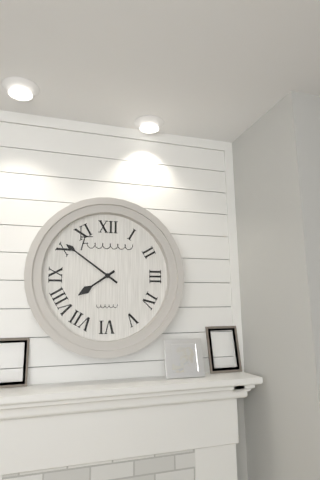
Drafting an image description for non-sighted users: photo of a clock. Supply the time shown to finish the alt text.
7:51
